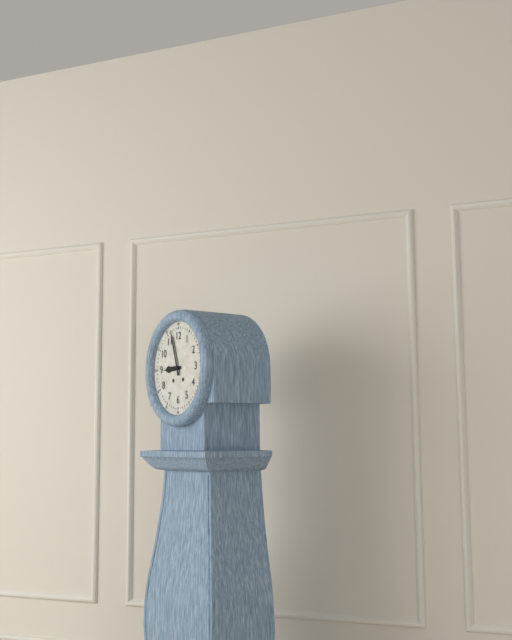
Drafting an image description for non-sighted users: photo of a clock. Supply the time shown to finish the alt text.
8:57
